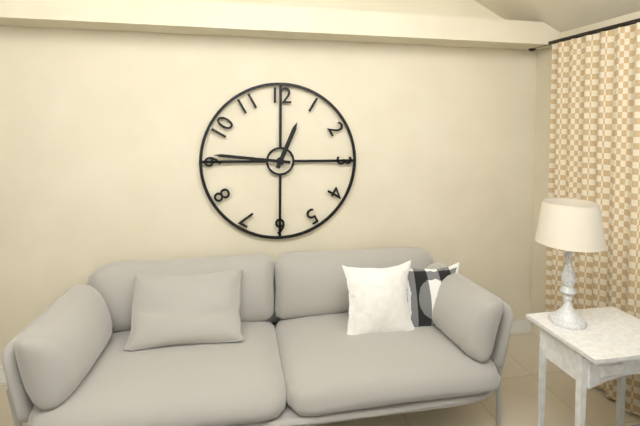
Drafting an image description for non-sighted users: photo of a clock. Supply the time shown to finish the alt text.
12:46
